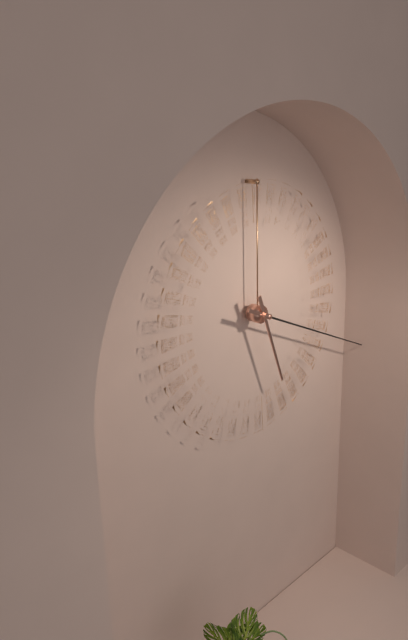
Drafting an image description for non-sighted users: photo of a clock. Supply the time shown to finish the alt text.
5:19
